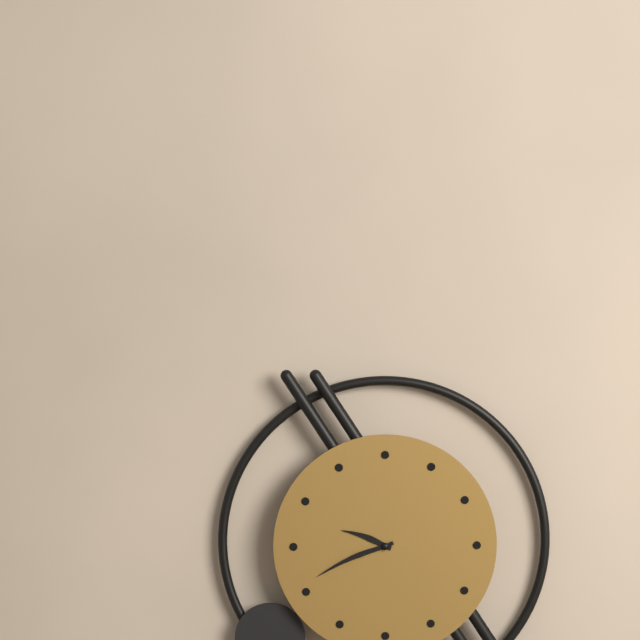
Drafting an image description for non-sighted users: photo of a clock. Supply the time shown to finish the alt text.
9:41
